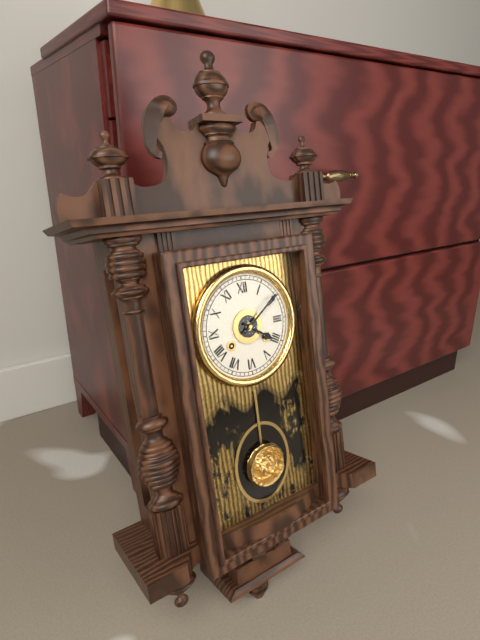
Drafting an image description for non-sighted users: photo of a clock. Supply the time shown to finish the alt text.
4:09
